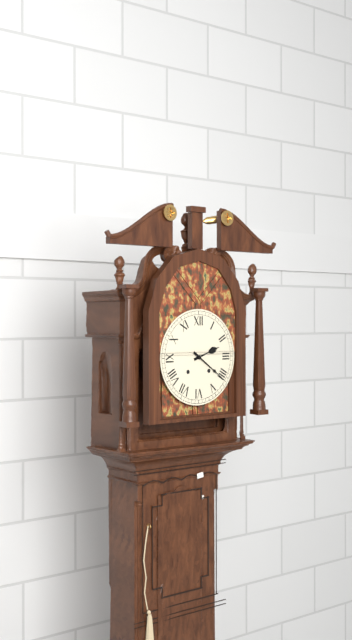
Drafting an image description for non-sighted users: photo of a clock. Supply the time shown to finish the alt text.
2:21
